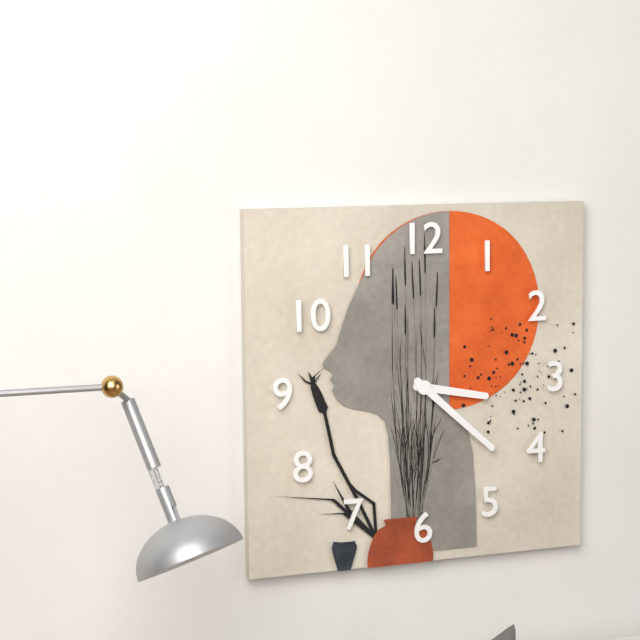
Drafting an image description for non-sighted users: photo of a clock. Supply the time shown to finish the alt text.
3:22
